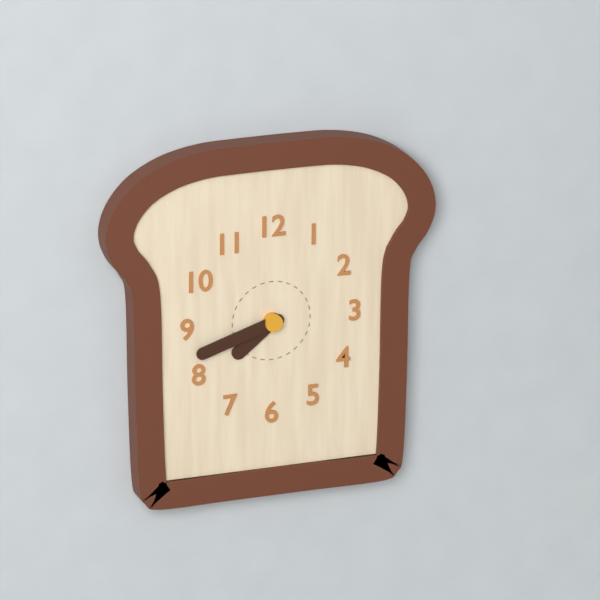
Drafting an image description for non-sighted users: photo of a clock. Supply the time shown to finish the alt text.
7:42
